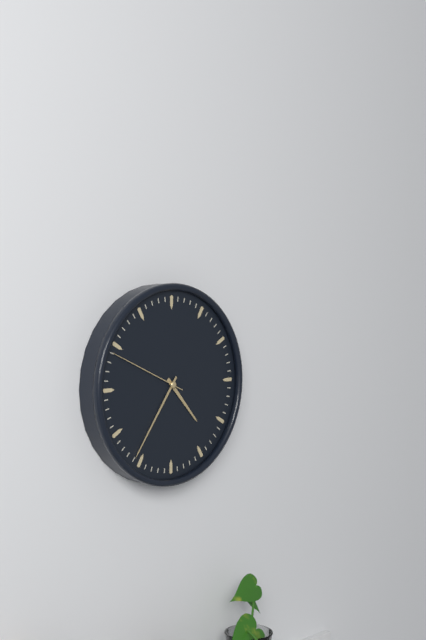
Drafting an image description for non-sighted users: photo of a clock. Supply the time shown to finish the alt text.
4:36:49
